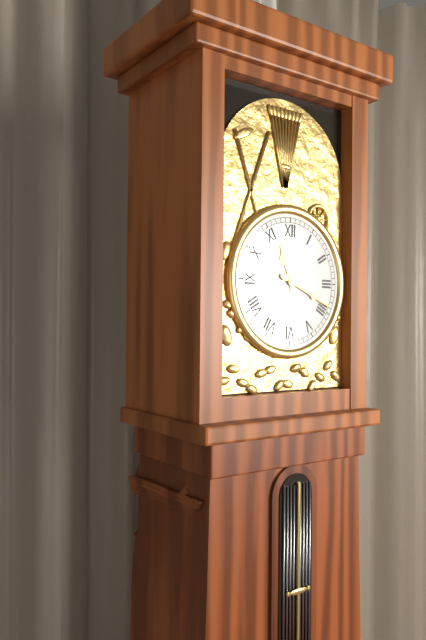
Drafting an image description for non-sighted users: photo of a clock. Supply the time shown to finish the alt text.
11:19
